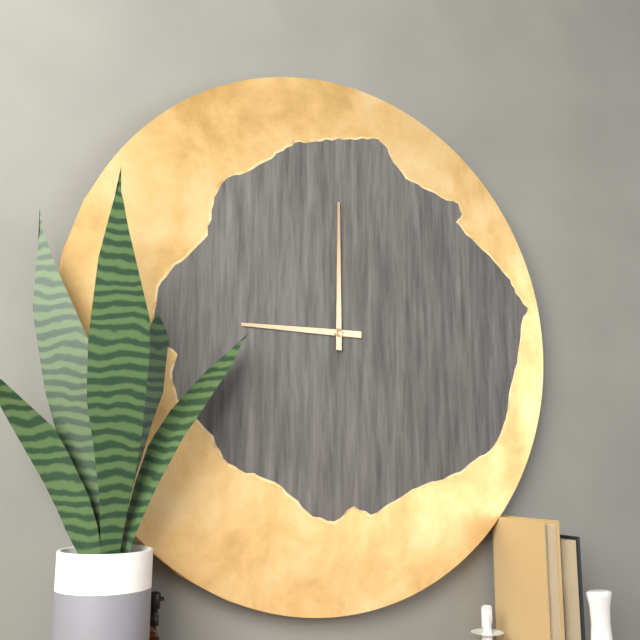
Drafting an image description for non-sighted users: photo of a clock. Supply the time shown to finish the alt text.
9:00
